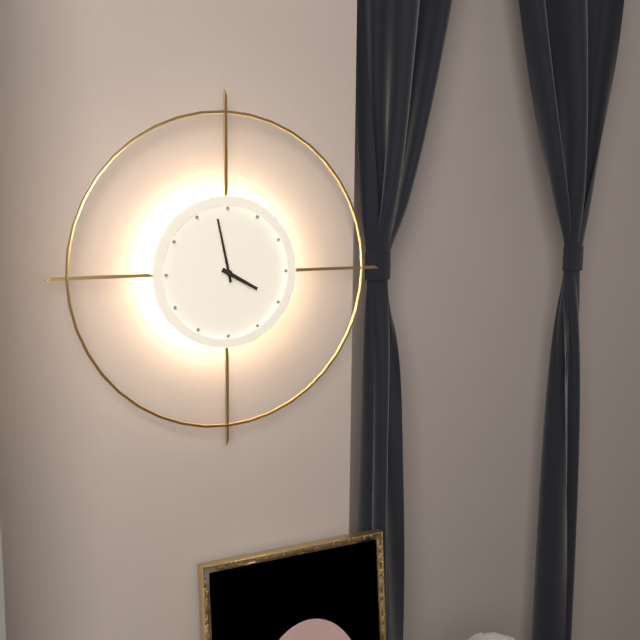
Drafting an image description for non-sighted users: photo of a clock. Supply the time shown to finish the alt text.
3:58
